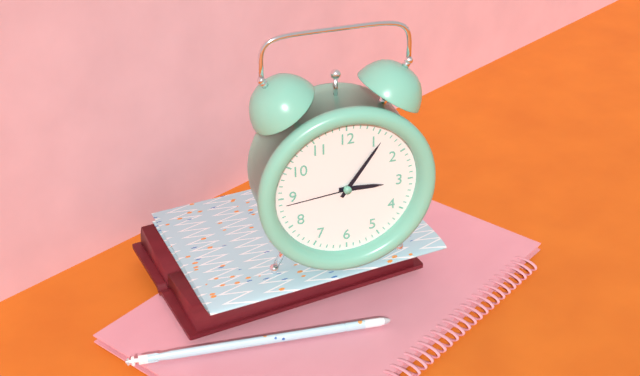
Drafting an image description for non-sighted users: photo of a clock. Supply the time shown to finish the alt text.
3:06:44
